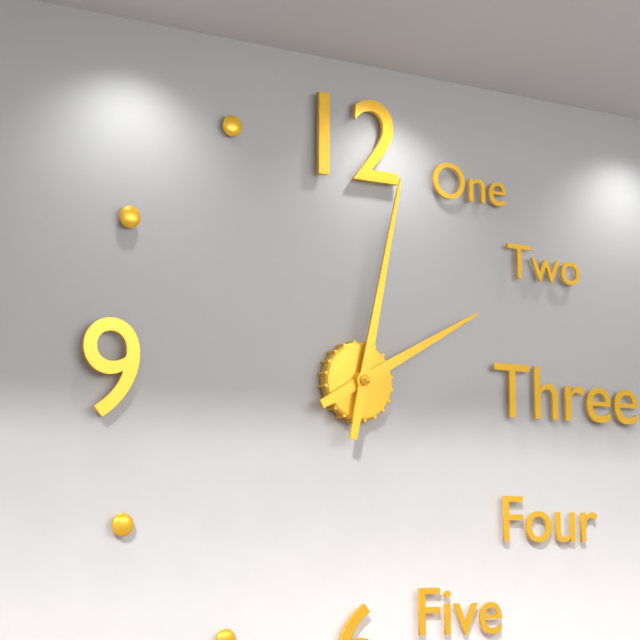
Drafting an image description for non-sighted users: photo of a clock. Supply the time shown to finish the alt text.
2:02
